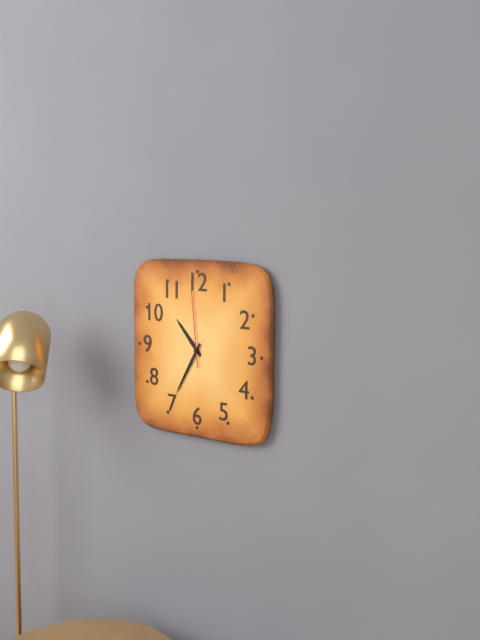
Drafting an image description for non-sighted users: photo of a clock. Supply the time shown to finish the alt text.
10:35:59
